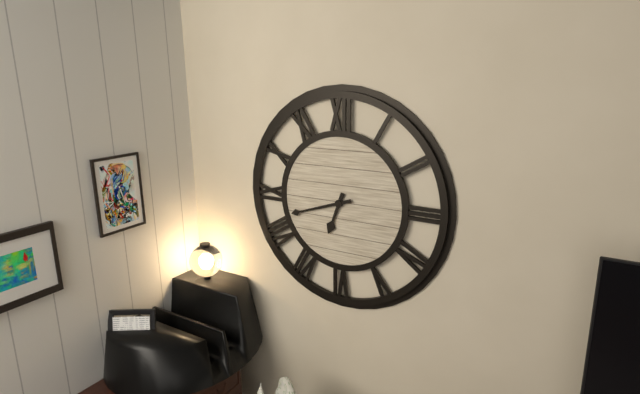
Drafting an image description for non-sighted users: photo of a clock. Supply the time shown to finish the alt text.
6:42
